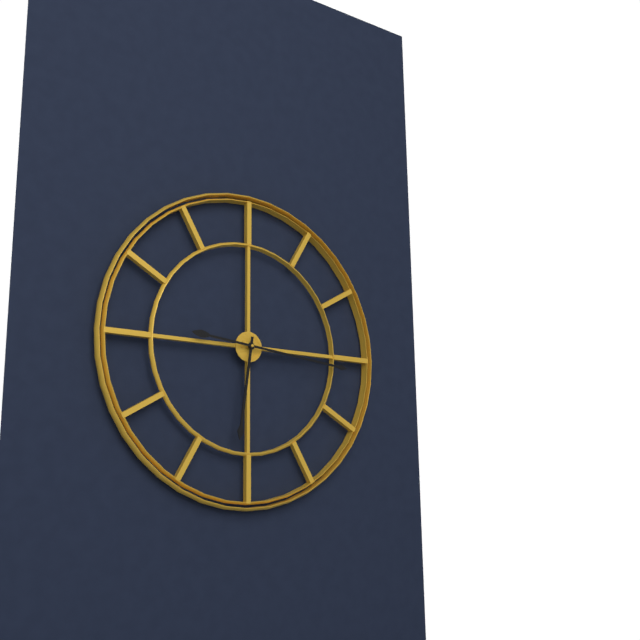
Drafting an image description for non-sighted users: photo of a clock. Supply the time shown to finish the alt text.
6:16
